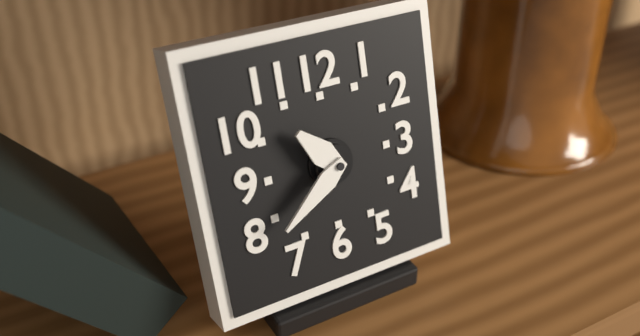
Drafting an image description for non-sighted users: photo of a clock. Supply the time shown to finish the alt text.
10:39
